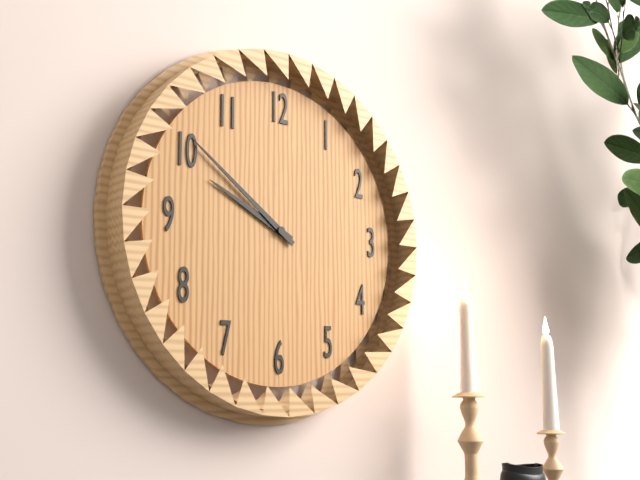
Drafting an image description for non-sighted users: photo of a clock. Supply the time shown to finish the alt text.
9:51
